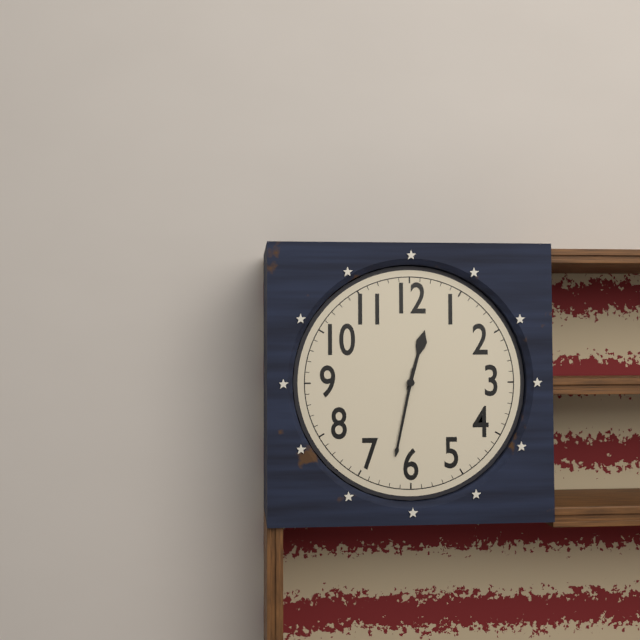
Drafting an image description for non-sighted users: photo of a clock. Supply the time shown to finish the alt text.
12:32
